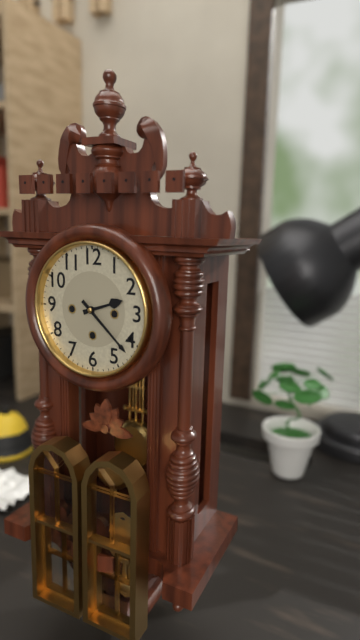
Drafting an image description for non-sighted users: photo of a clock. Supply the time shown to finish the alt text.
2:22
